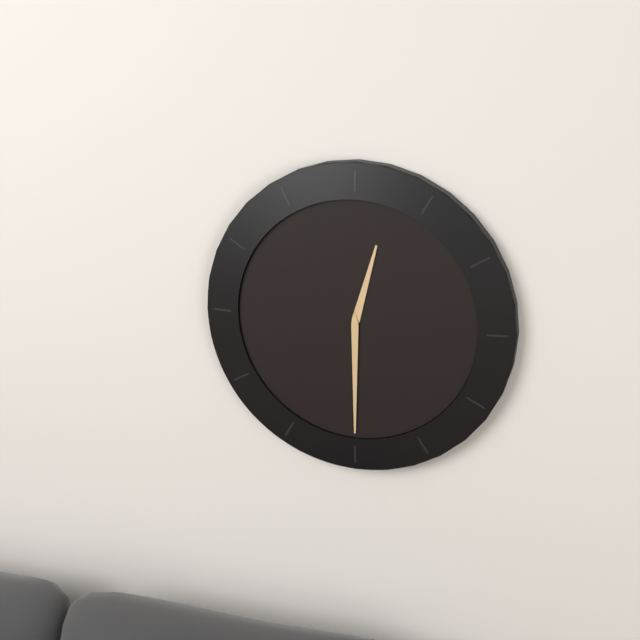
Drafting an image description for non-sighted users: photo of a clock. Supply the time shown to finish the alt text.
12:30
